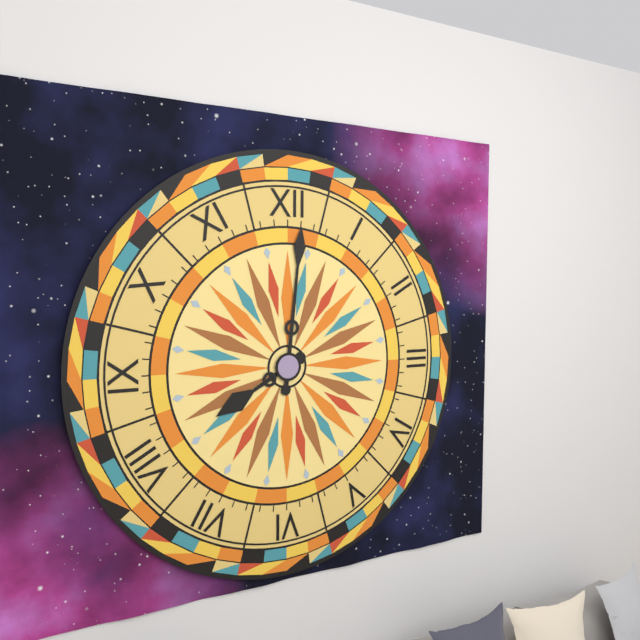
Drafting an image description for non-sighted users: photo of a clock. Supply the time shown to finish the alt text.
8:01
